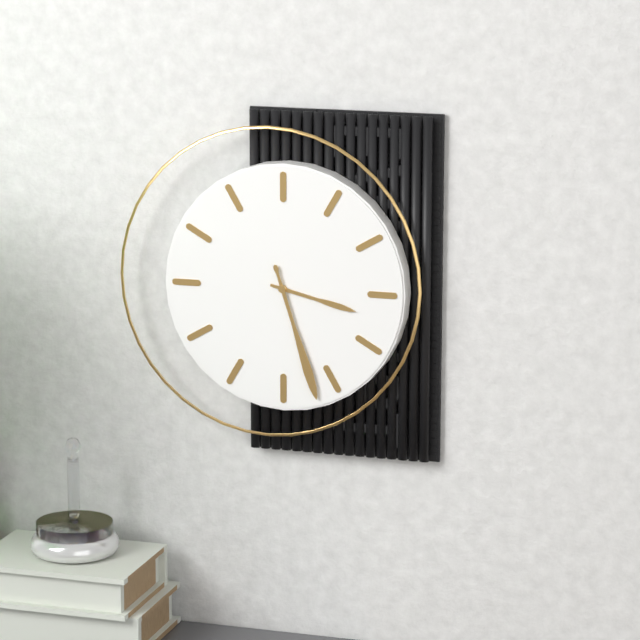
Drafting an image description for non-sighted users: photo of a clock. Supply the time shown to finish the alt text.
3:27
